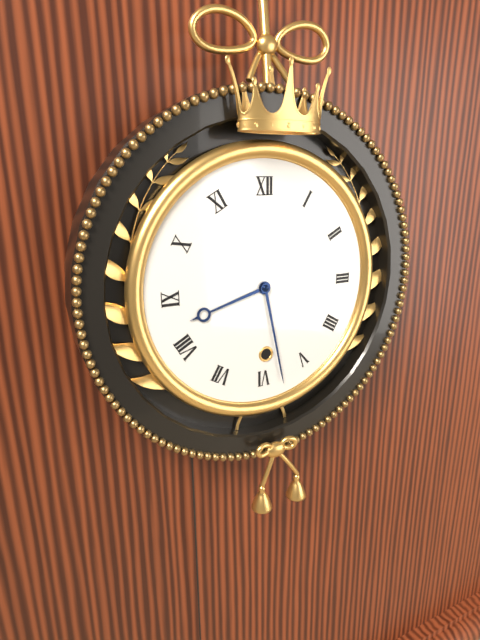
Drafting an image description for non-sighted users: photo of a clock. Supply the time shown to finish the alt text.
8:28
